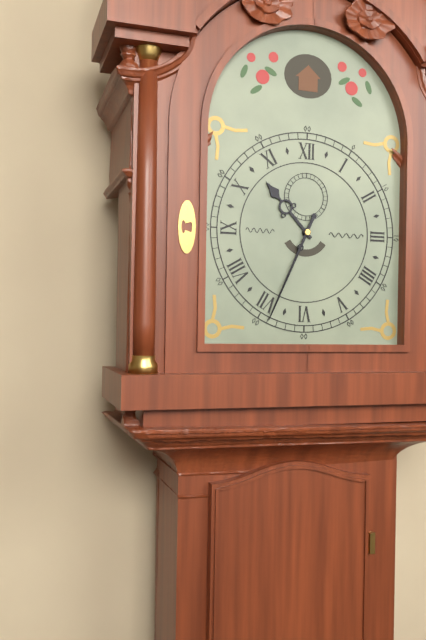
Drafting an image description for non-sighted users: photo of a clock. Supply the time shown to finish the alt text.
10:34
